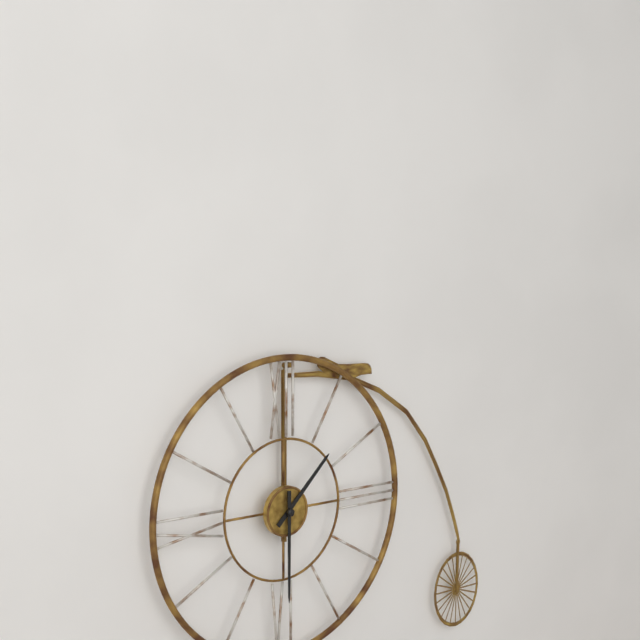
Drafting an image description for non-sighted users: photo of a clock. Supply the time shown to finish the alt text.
1:30
